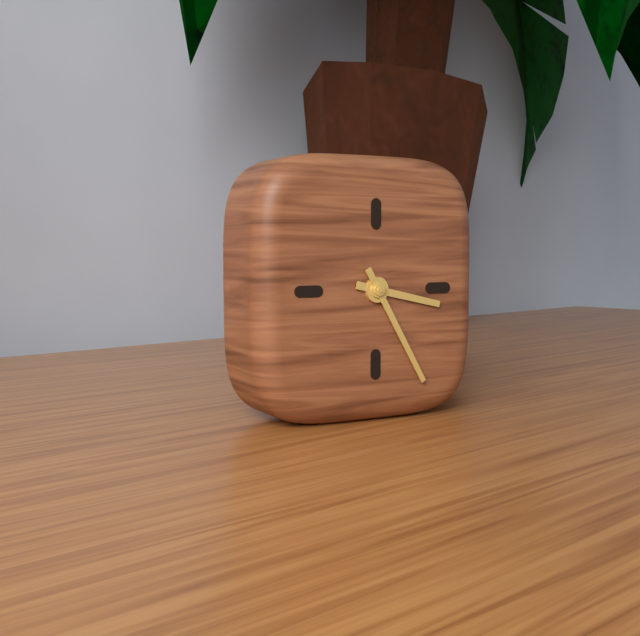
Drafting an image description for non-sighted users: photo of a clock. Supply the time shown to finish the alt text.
3:25
